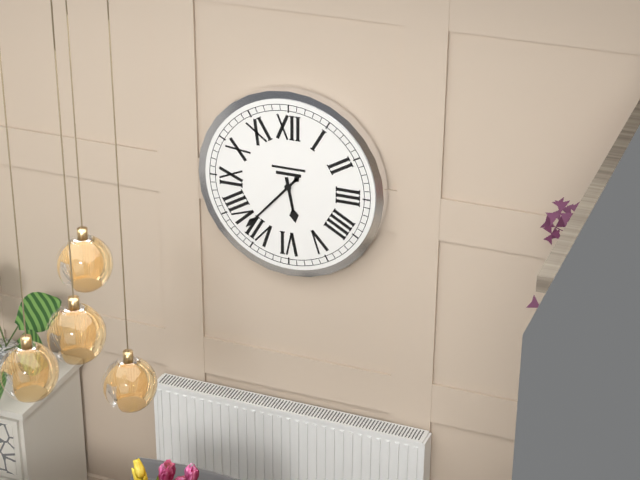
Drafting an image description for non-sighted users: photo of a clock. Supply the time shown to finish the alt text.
5:37
